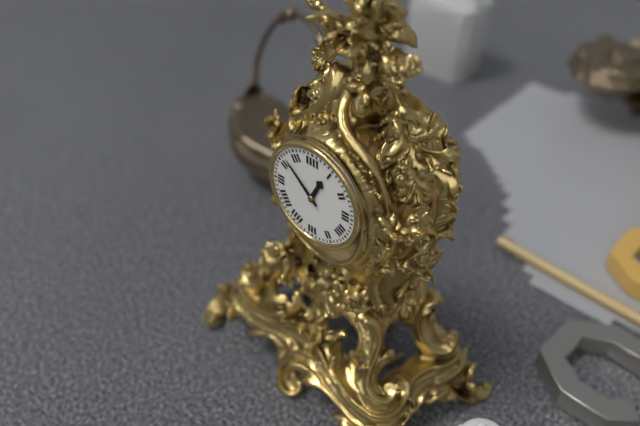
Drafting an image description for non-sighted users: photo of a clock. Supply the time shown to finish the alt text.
12:52
